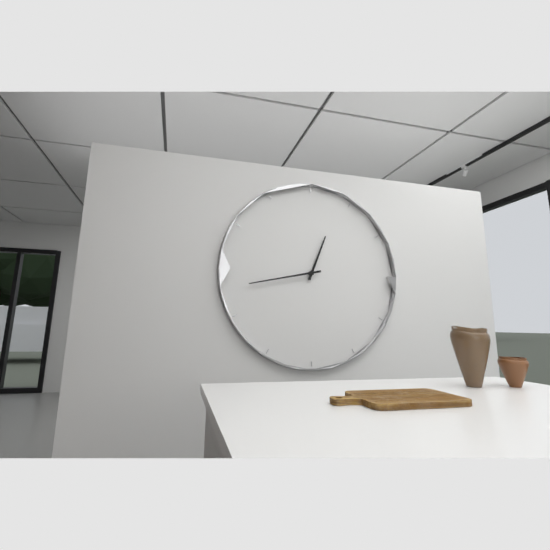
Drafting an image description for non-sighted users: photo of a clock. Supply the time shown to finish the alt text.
12:43
